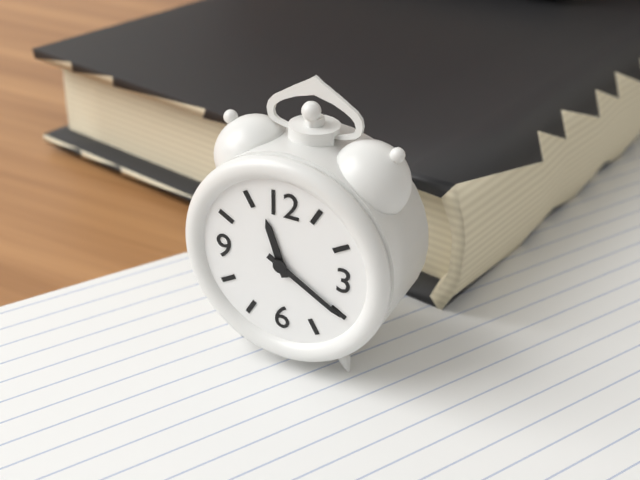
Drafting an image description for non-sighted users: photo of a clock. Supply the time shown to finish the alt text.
11:20
